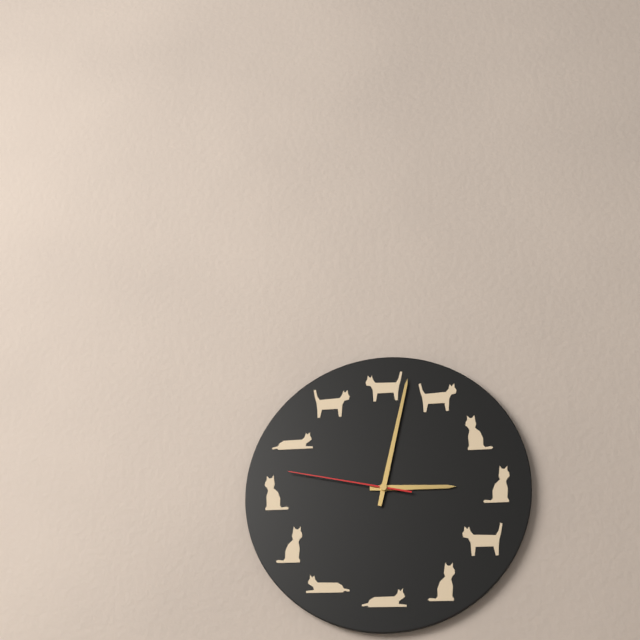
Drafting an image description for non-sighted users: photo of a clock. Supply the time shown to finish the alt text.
3:02:47
